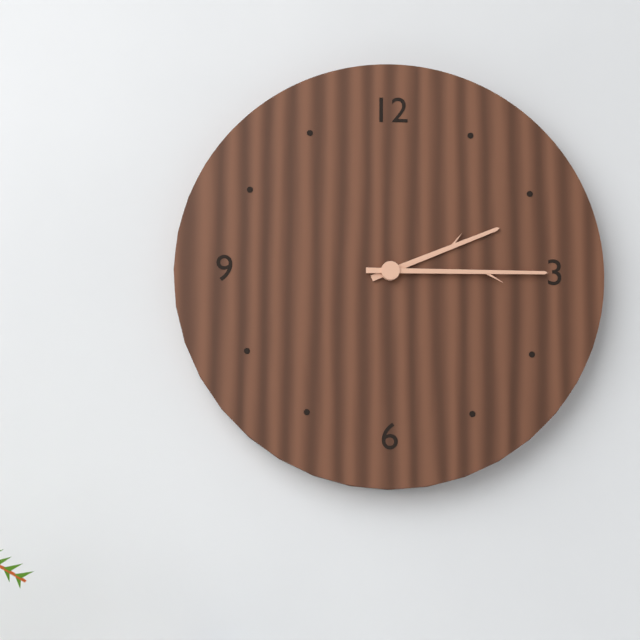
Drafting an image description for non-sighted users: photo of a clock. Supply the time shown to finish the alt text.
2:15
